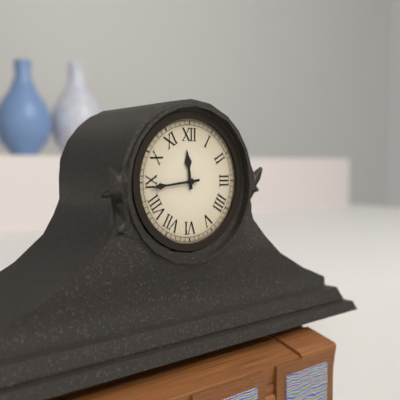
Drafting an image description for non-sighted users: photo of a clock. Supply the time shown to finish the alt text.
11:44
